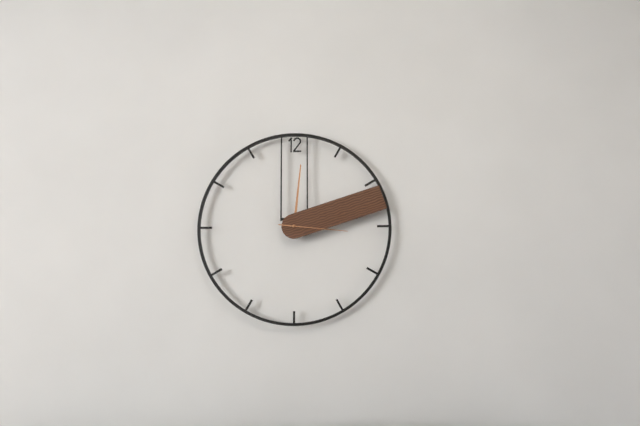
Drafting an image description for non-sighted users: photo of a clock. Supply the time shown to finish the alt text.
12:12:16
